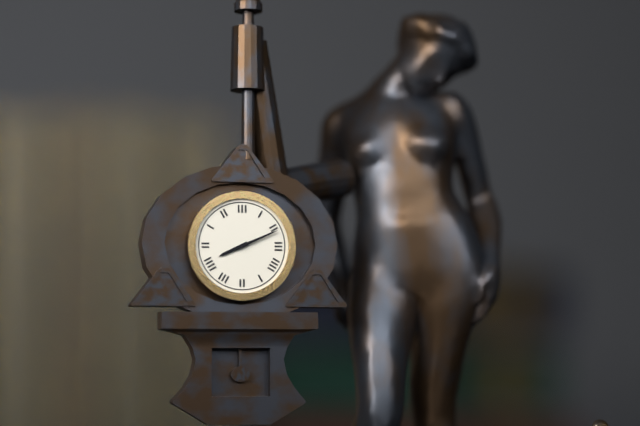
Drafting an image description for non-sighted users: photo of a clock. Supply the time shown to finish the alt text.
8:11
